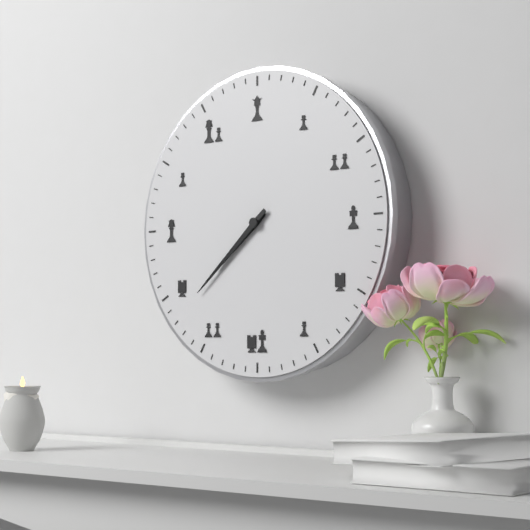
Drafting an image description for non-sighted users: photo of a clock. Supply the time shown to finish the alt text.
7:38
